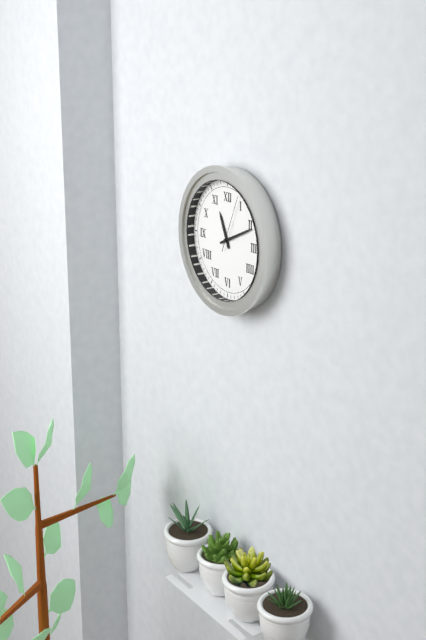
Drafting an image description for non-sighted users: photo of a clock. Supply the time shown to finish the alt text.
11:11:04
